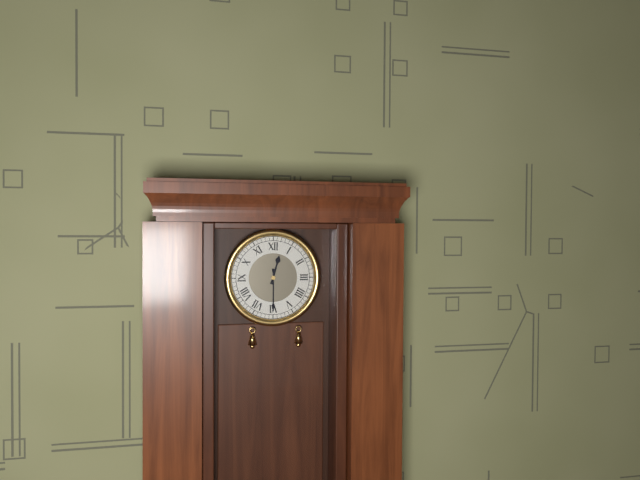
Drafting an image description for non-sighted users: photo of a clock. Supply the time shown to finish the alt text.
12:30
